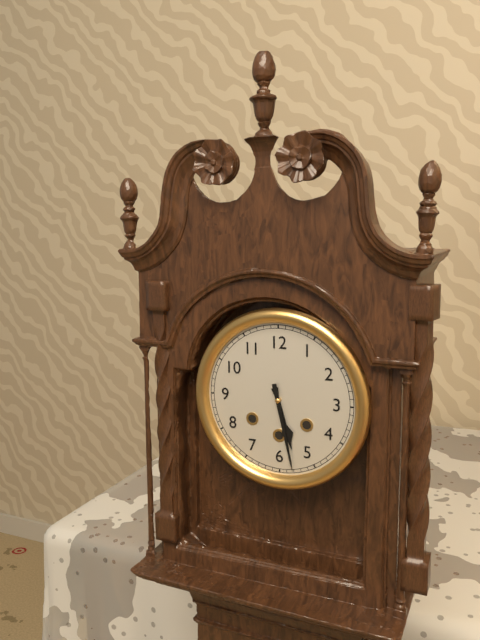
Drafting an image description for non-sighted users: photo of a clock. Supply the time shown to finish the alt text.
5:28
